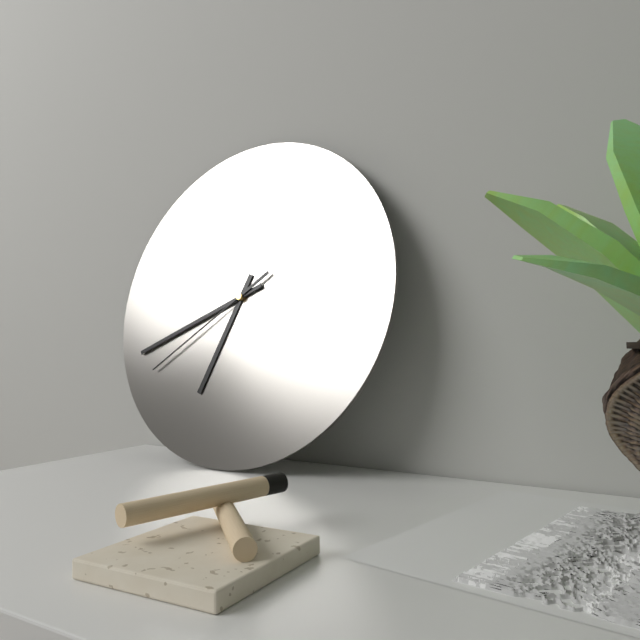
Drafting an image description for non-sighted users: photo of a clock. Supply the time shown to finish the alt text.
6:41:39
